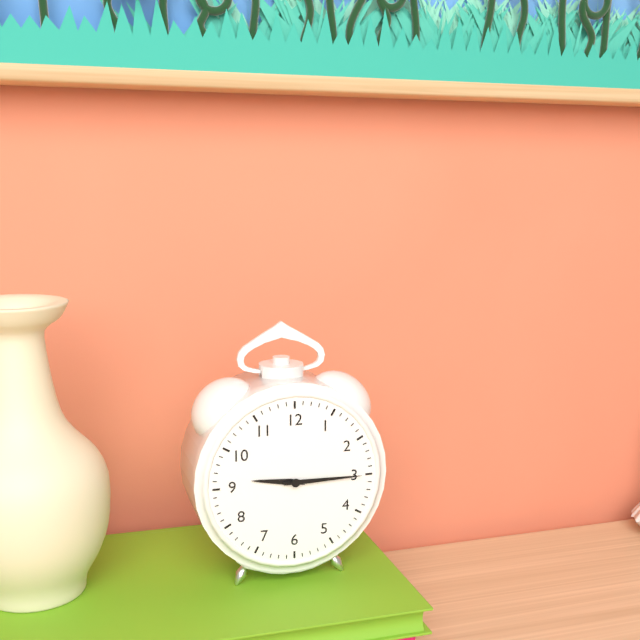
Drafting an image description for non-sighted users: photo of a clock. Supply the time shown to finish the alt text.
9:15
